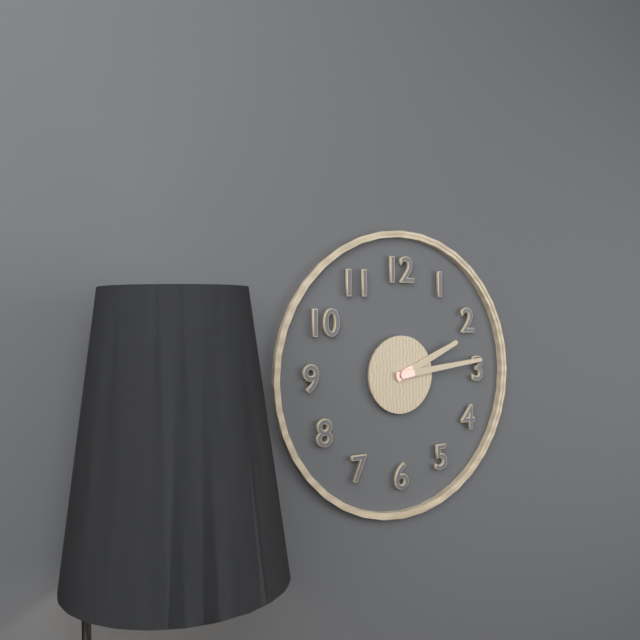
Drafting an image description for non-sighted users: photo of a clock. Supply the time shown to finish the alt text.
2:14
